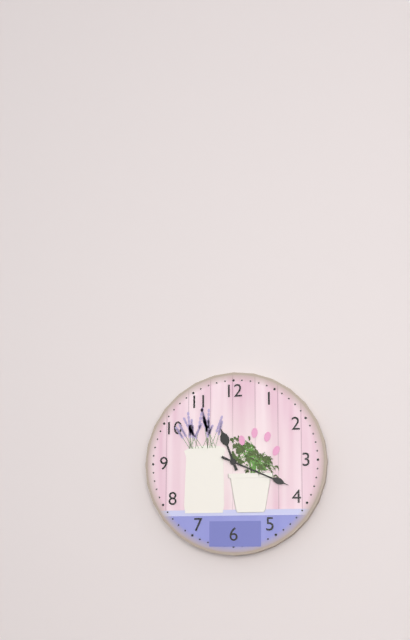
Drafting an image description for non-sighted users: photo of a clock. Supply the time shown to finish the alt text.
11:19
